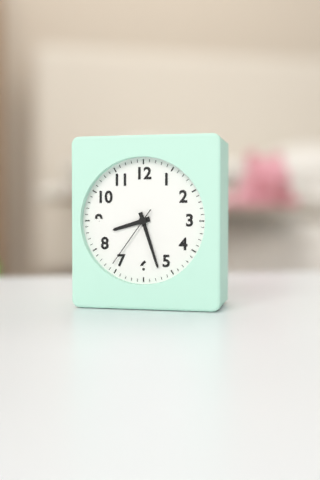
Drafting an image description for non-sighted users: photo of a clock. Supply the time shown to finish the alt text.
8:27:36
